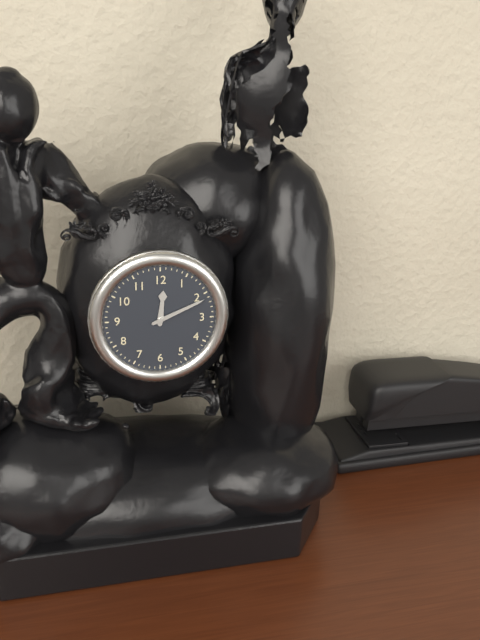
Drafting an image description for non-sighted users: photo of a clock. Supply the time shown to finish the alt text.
12:11
